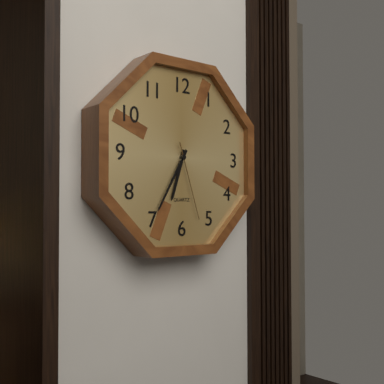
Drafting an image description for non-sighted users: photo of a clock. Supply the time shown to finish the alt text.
6:35:27
